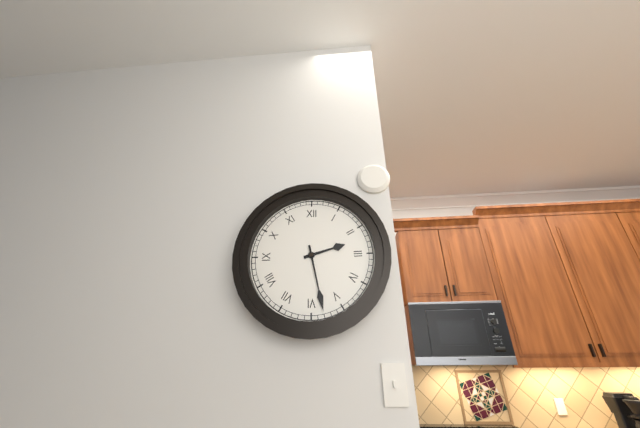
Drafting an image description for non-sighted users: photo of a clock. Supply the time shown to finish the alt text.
2:28
